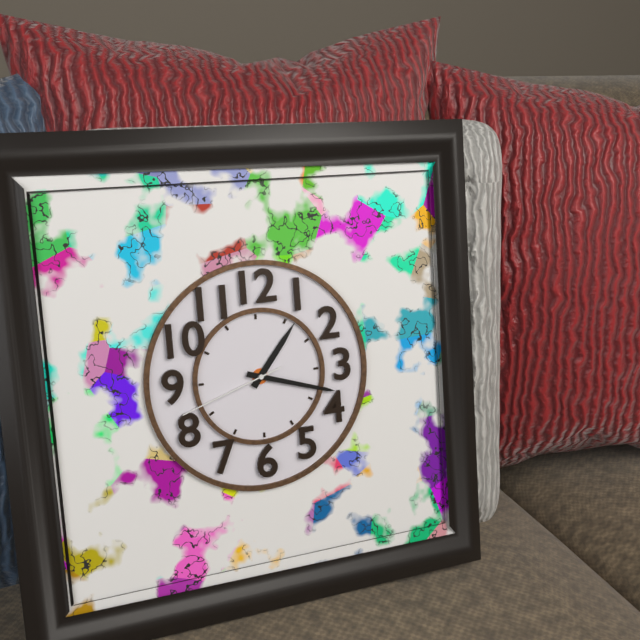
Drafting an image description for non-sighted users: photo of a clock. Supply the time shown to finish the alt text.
1:18:42
